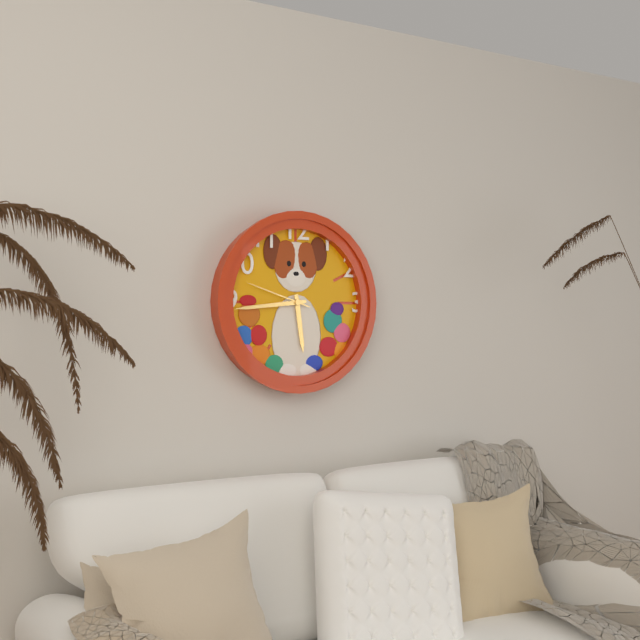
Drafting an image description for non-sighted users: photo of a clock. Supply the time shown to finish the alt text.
5:44:48
